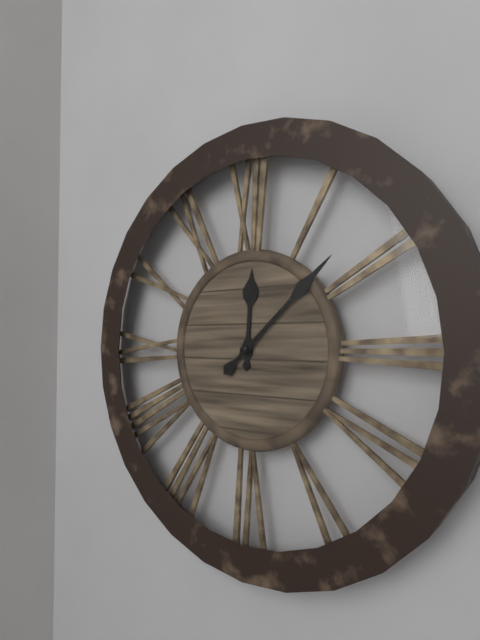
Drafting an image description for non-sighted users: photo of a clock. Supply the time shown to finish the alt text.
12:08
